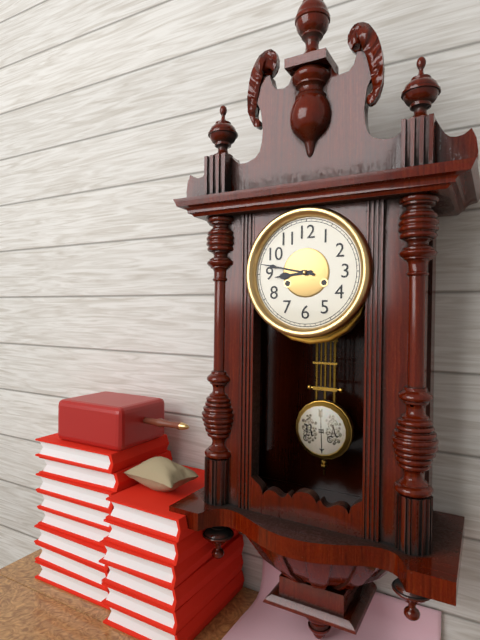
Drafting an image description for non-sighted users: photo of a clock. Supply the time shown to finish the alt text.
8:47
